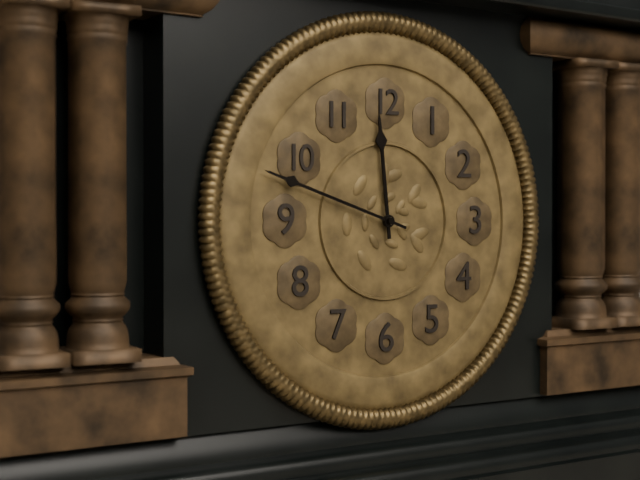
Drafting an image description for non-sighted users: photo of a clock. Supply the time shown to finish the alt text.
11:48
